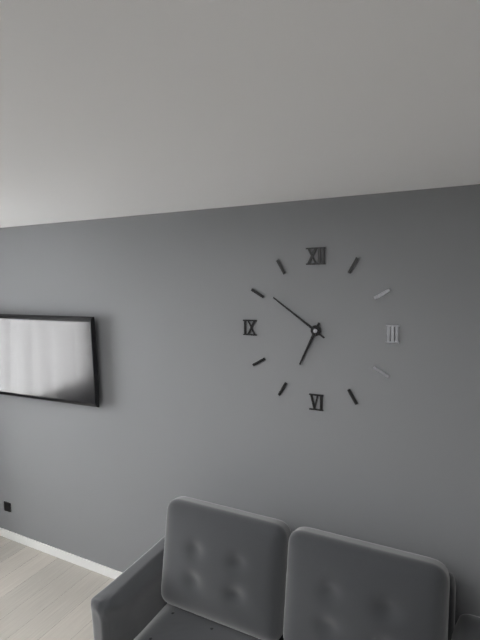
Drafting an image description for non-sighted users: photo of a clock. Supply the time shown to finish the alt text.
6:51
